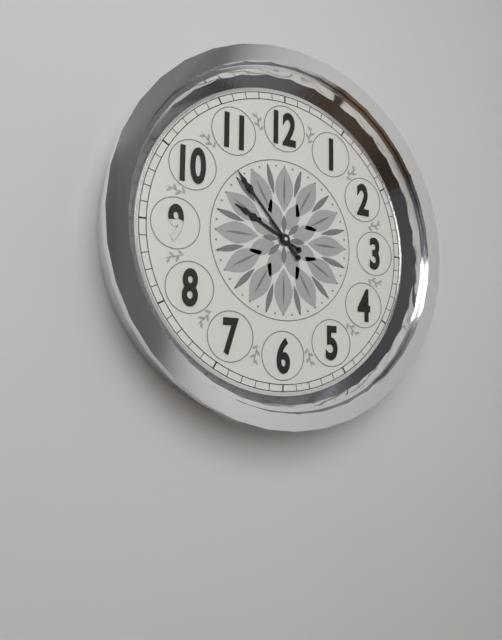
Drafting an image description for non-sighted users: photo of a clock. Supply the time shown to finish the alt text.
9:53
